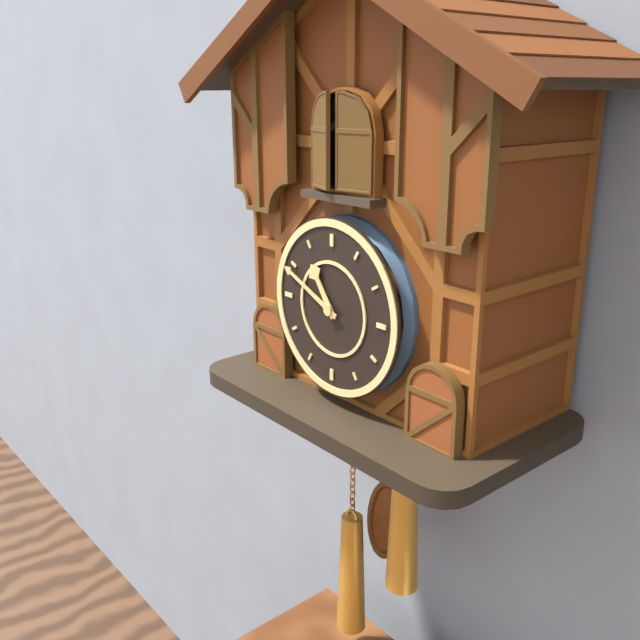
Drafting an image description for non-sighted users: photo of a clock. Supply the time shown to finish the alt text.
10:49
